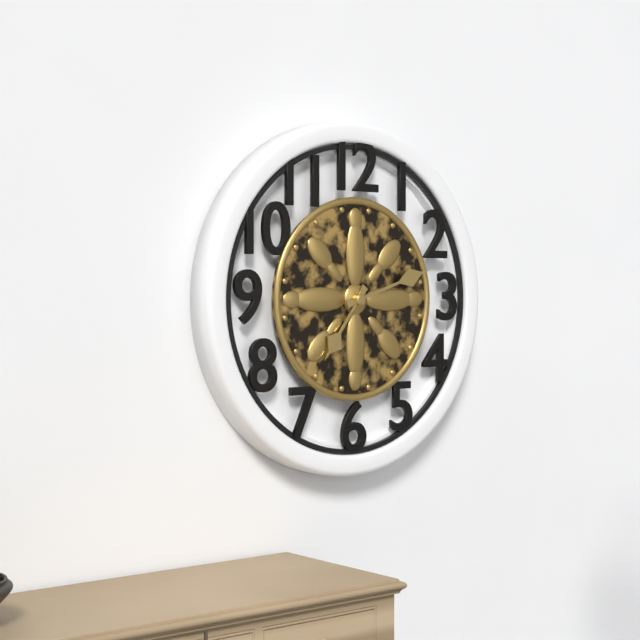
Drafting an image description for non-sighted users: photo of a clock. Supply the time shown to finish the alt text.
7:12
